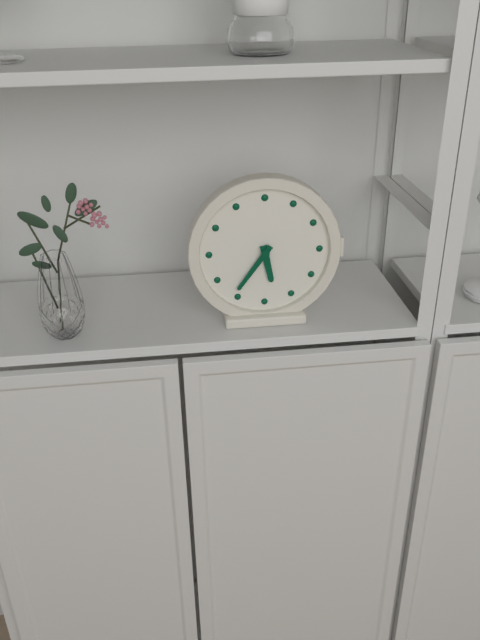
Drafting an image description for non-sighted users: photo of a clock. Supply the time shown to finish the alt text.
5:36
